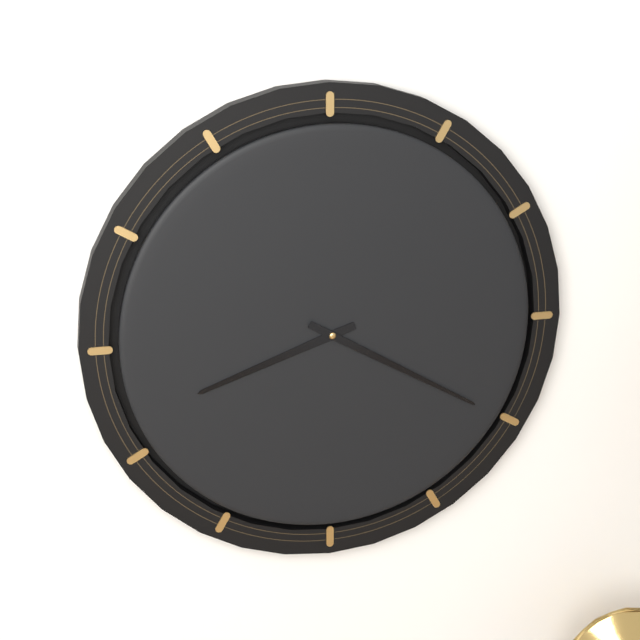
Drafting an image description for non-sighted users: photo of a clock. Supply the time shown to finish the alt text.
8:20
